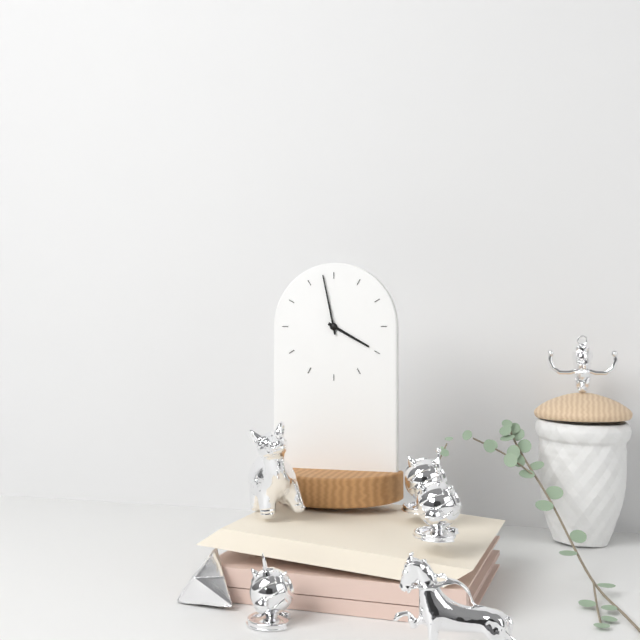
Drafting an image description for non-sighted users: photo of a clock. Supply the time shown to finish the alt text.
3:58
